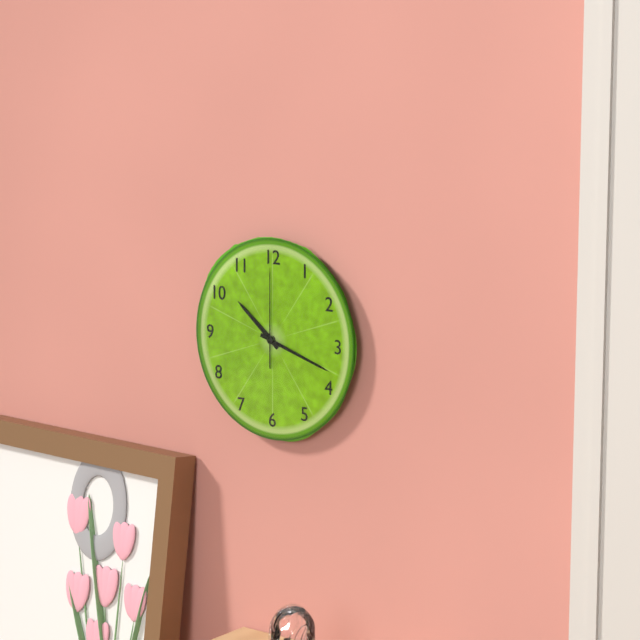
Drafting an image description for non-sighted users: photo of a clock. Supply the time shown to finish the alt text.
10:18:00
